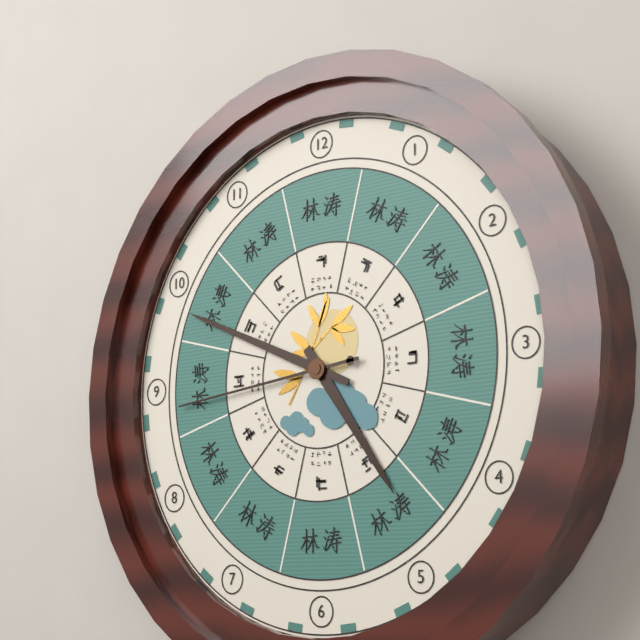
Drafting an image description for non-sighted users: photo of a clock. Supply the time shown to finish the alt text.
4:49:44
